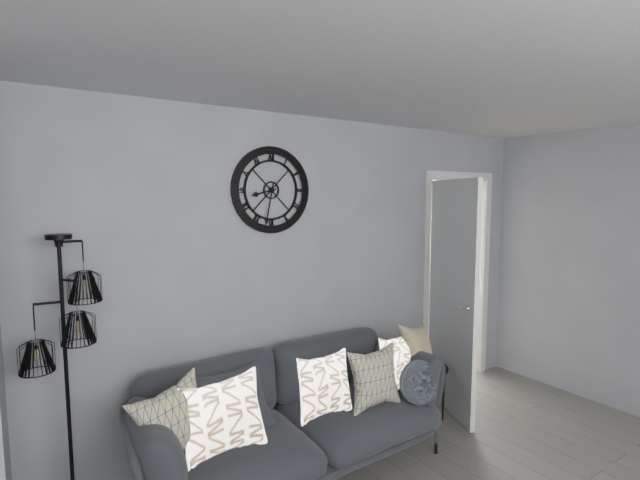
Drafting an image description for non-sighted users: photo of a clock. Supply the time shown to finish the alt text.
8:32
